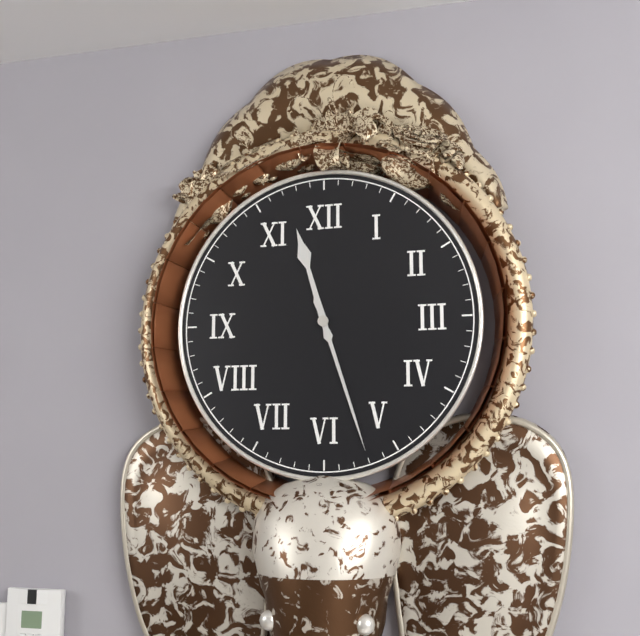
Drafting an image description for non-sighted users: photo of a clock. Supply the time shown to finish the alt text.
11:27
